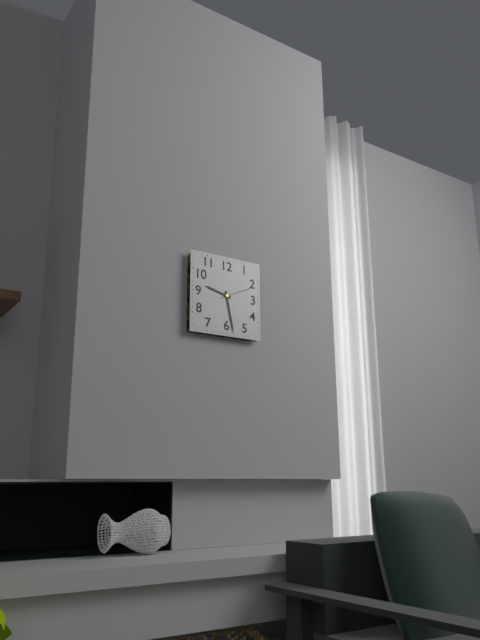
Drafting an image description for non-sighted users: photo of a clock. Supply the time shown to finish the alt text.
9:28
